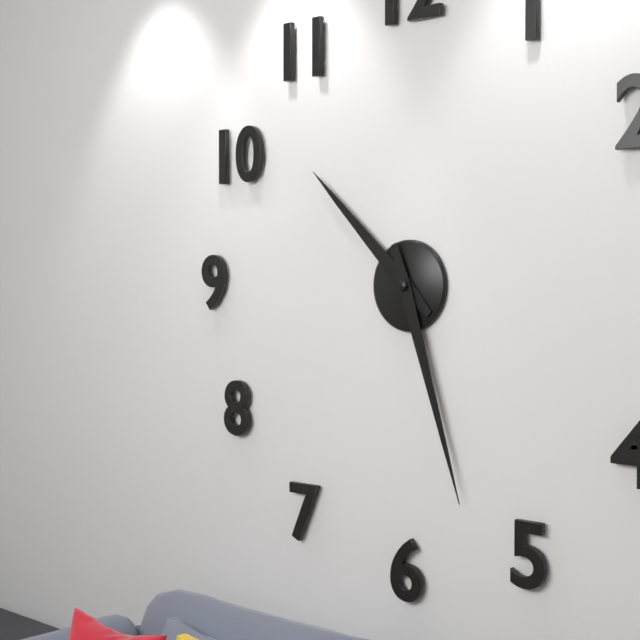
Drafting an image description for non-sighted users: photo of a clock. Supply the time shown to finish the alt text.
10:27
